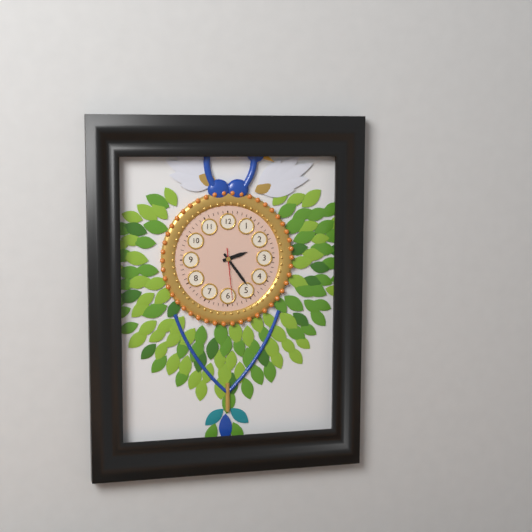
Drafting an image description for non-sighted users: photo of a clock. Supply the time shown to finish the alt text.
2:24:29
